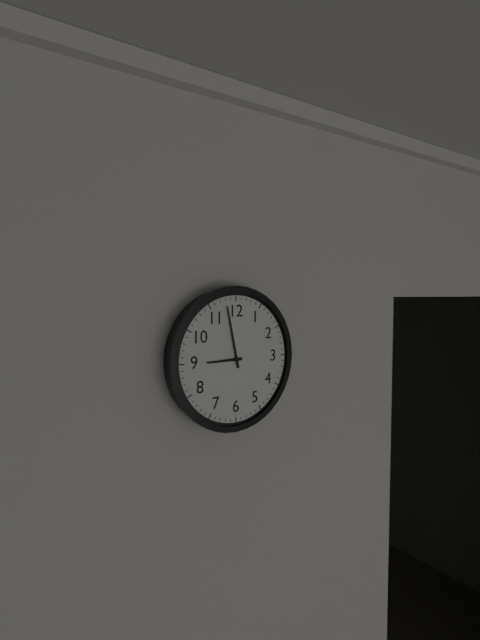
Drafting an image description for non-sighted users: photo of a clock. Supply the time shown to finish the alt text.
8:58
